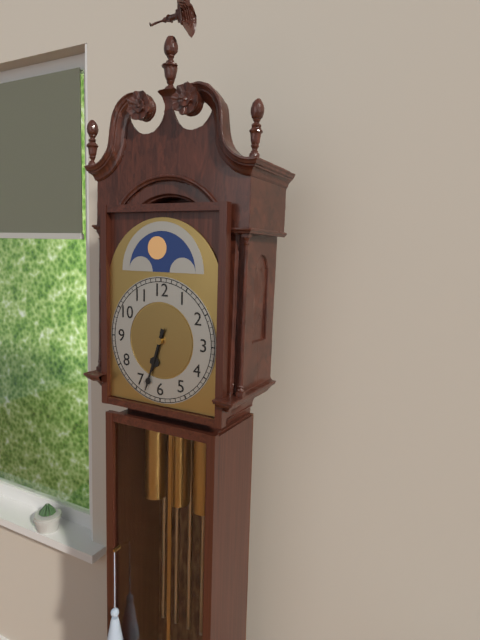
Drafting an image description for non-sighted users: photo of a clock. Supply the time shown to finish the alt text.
6:33
